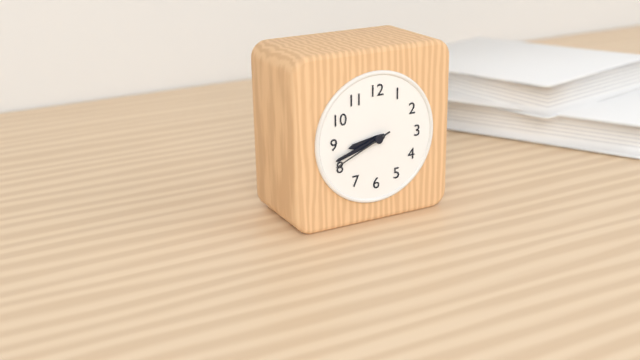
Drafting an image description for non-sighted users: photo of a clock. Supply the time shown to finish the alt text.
8:42:41
